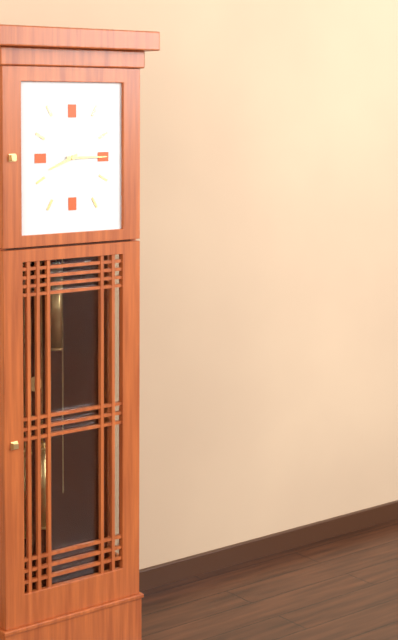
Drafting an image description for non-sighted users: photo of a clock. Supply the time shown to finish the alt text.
8:15
